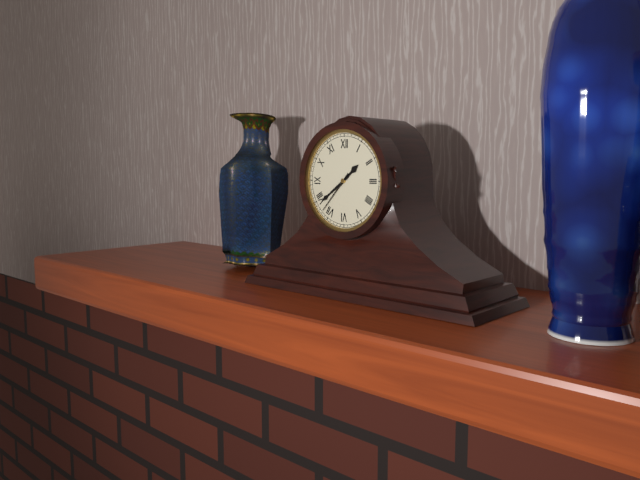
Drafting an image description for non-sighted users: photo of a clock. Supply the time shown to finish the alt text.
1:39
